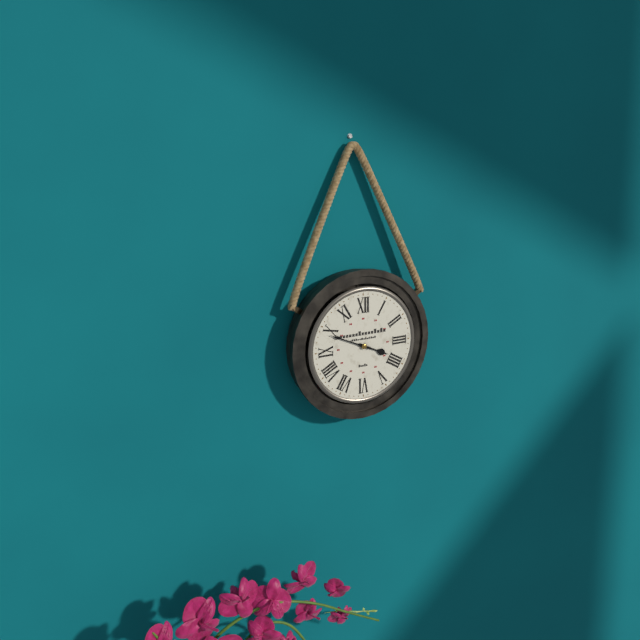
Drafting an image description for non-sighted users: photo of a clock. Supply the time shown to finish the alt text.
3:49
